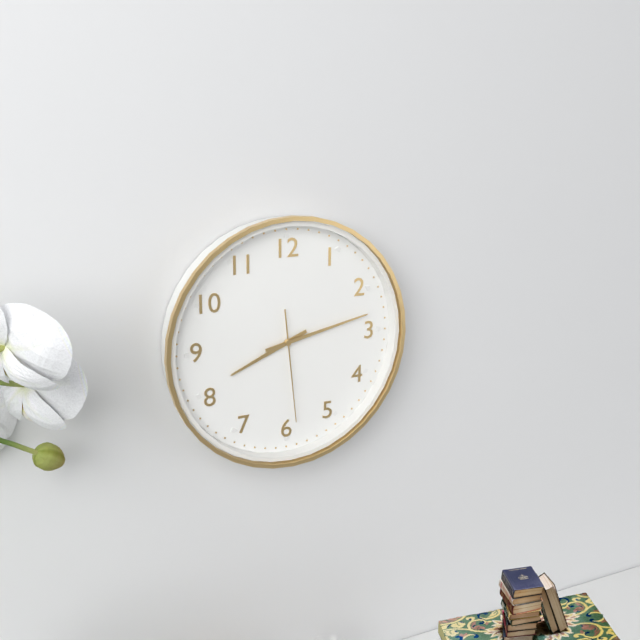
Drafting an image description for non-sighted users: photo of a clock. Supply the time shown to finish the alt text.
8:13:29
